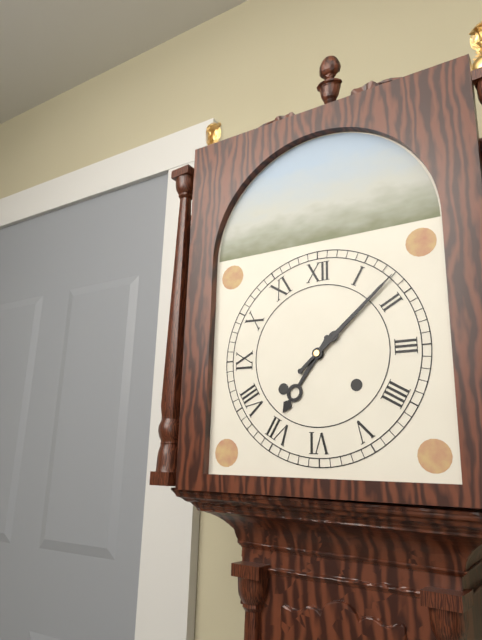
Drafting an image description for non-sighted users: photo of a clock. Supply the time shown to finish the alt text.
7:08
